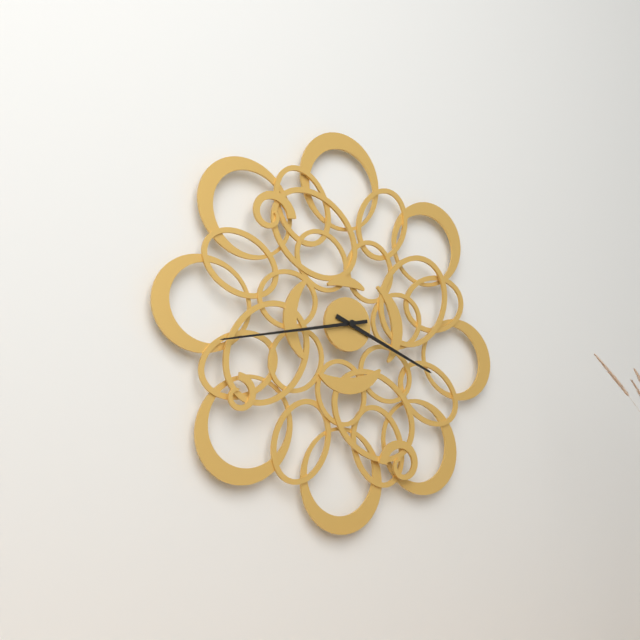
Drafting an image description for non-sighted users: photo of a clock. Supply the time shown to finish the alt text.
3:43
